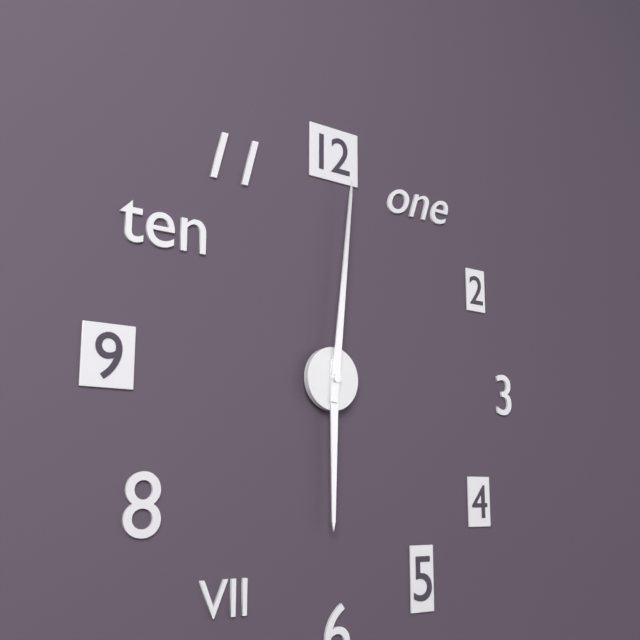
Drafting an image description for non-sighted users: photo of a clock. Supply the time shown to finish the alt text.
6:01
